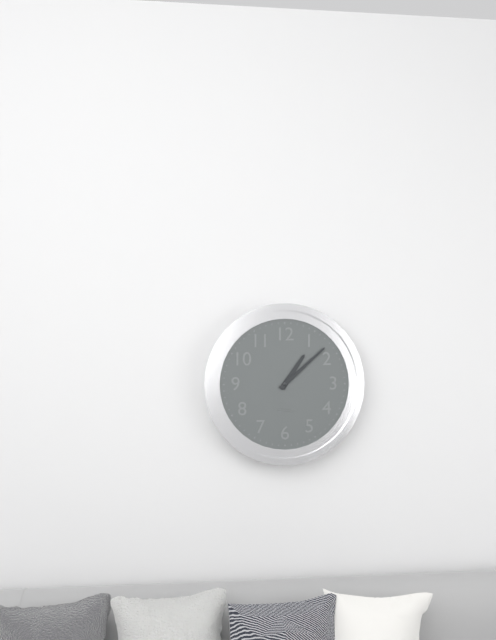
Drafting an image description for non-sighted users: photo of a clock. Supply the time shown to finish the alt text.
1:08
